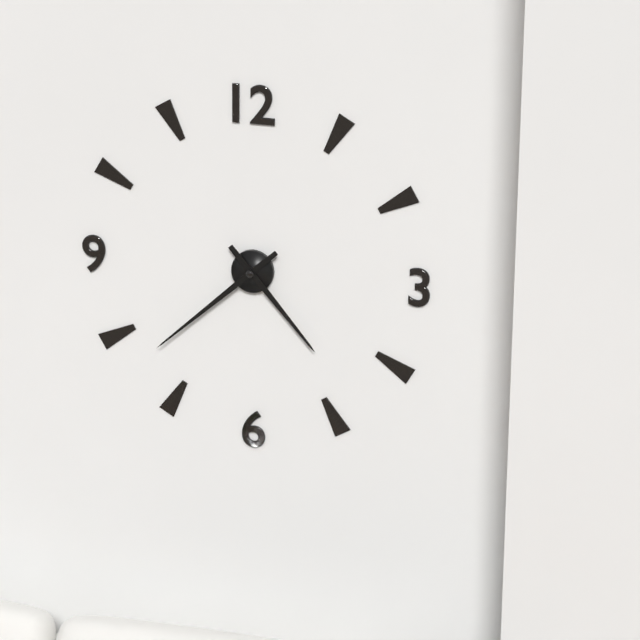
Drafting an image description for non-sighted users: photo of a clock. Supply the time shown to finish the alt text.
4:38
